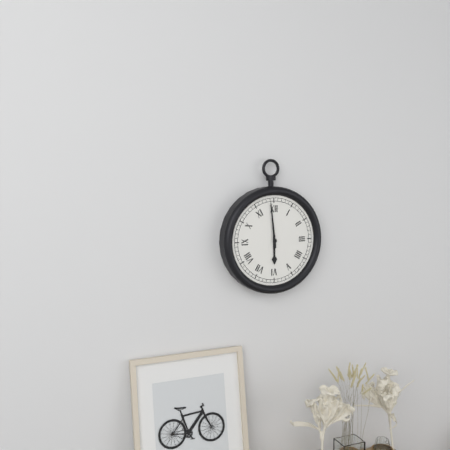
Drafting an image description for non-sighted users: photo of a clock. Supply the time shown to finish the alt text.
5:59
